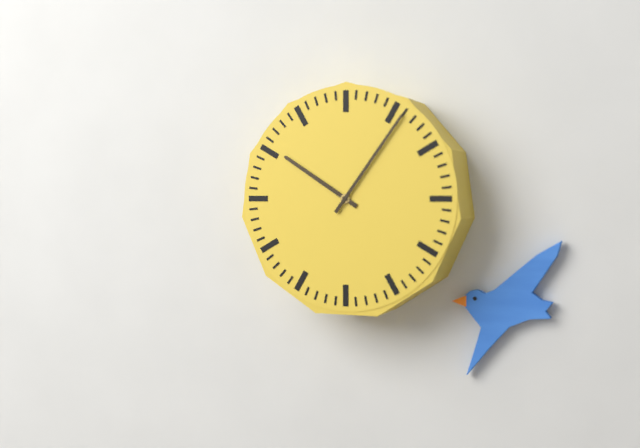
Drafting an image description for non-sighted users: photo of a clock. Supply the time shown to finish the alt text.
10:06
